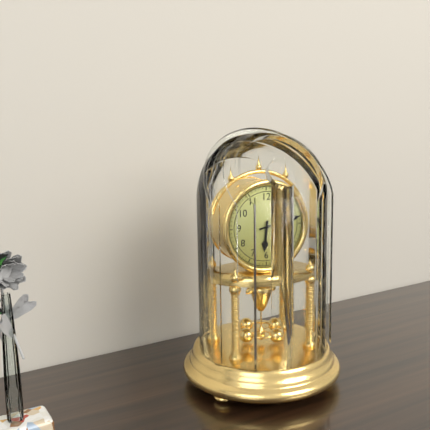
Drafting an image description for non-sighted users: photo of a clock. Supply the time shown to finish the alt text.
6:13
